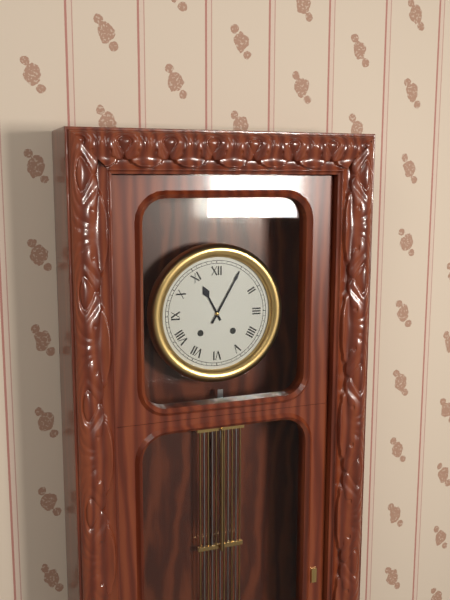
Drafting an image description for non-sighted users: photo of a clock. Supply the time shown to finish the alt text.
11:05
